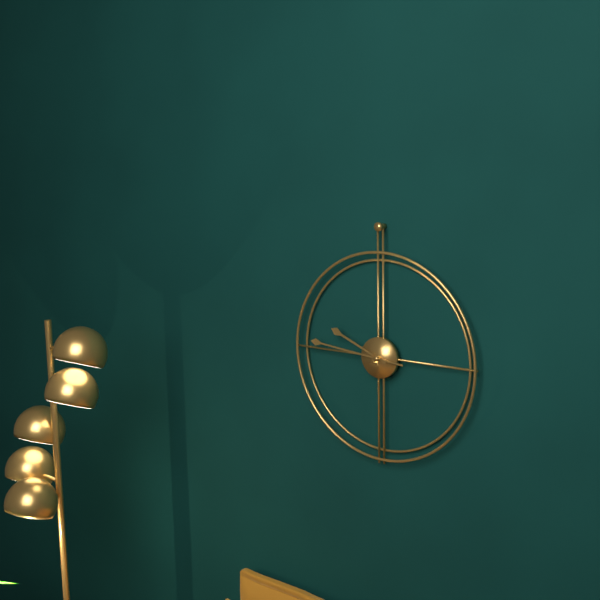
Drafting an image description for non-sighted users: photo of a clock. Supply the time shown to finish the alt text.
9:46
